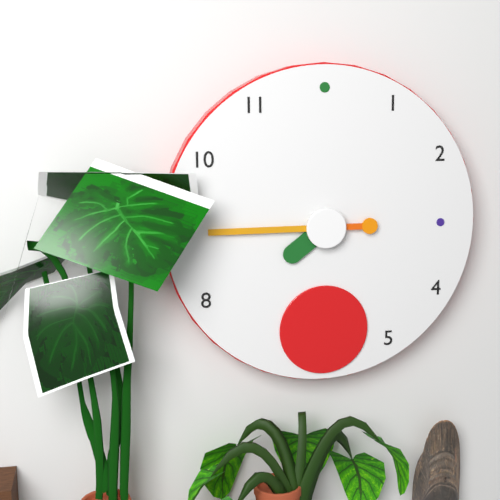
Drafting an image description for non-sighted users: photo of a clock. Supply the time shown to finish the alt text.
7:45
